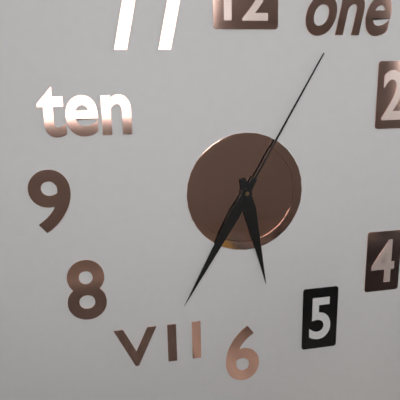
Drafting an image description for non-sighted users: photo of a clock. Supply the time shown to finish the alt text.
5:35:05
